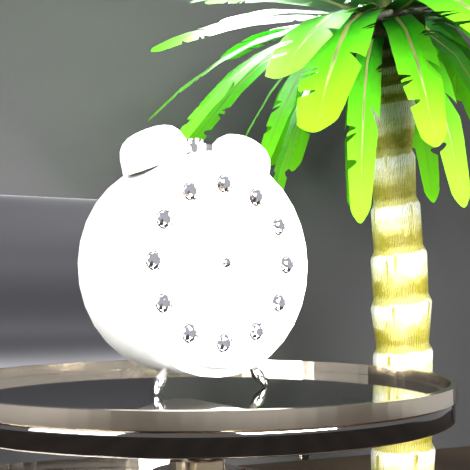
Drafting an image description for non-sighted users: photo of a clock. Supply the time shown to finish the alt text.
7:43:03
